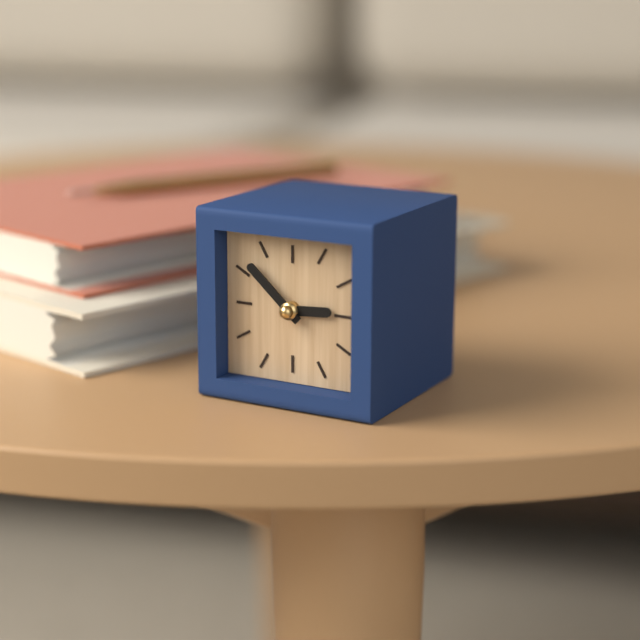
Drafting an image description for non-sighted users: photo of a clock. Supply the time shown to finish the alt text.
2:52
